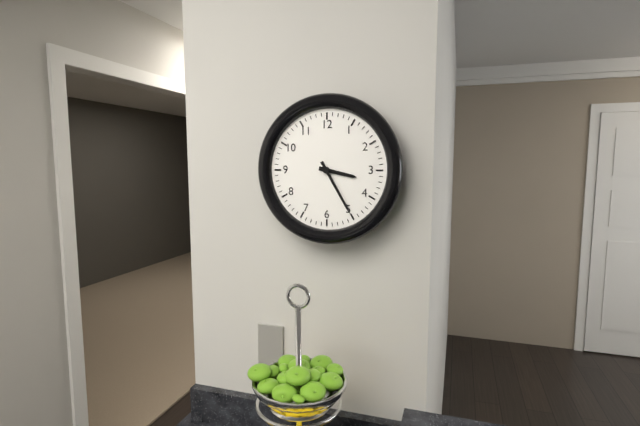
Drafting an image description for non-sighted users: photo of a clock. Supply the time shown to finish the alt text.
3:25
